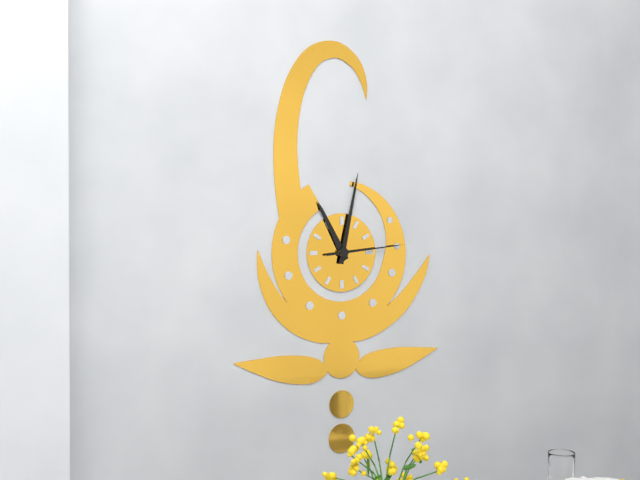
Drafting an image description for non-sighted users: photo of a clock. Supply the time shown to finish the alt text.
11:02:14
